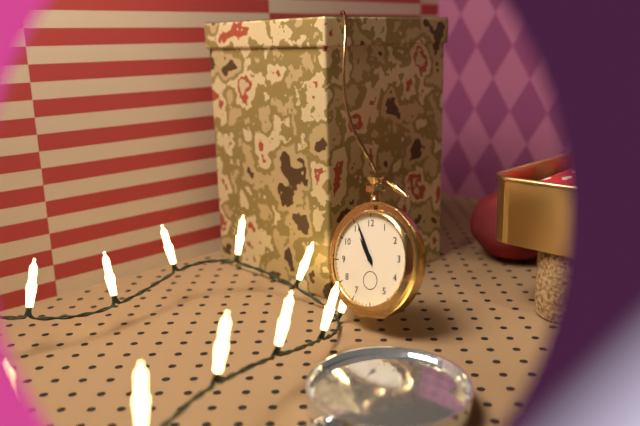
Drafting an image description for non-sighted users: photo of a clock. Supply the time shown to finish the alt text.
10:56
